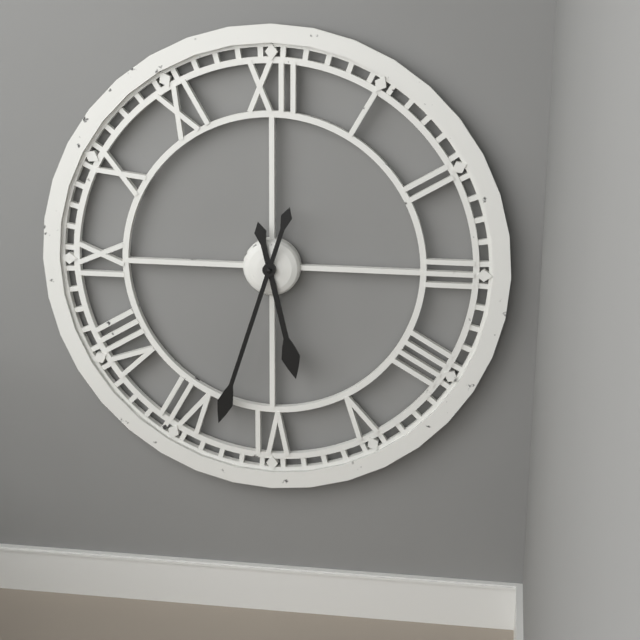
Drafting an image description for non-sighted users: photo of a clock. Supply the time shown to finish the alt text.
5:33
